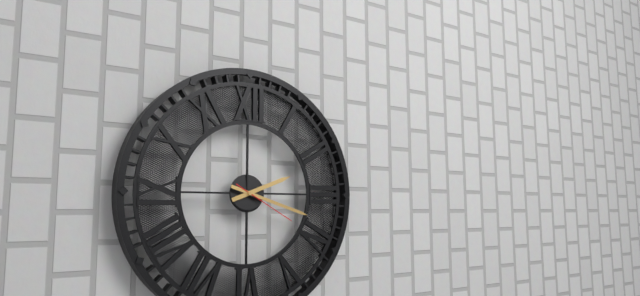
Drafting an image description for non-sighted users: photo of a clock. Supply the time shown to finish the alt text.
2:18:20
